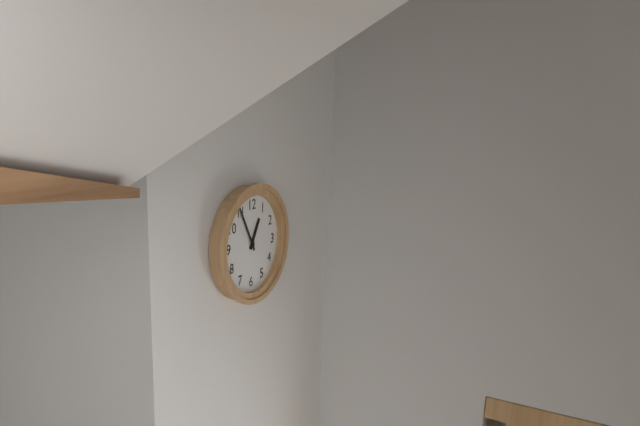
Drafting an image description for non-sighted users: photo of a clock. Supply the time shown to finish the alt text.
12:55
